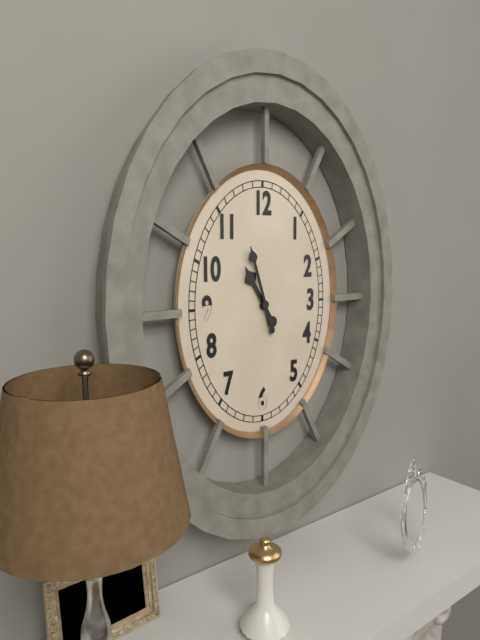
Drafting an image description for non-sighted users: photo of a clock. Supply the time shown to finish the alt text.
10:57
